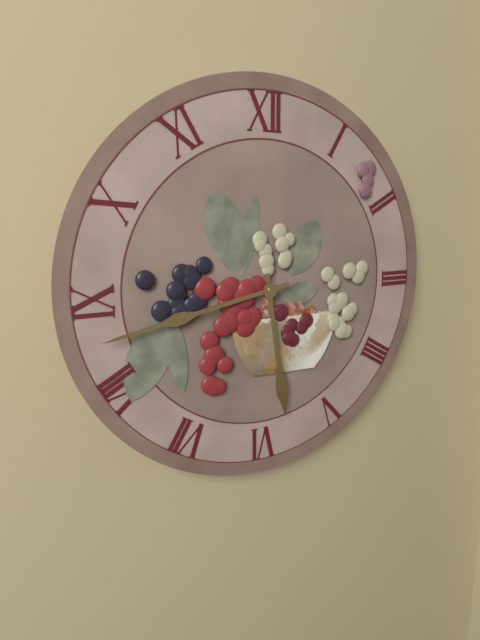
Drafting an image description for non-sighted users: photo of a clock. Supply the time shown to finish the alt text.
5:43
